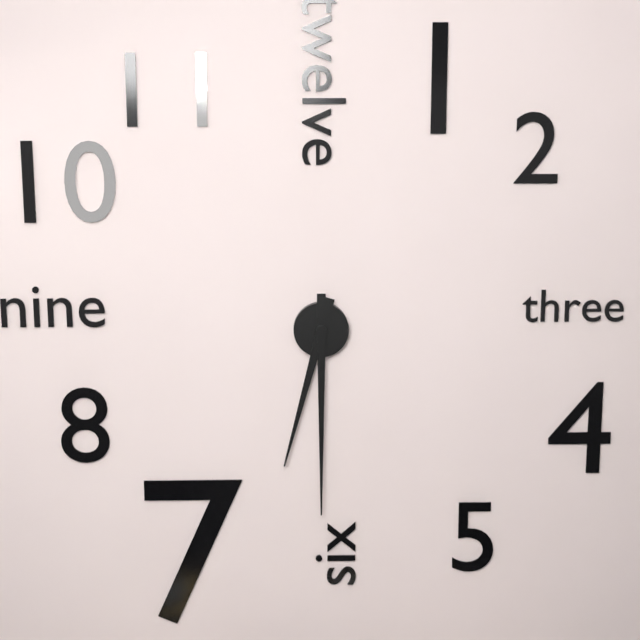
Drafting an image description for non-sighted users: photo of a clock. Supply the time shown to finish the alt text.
6:30
